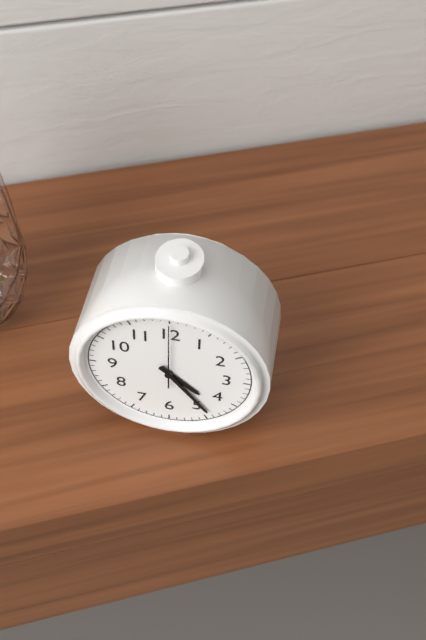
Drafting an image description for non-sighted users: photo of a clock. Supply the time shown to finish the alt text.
4:24:00
